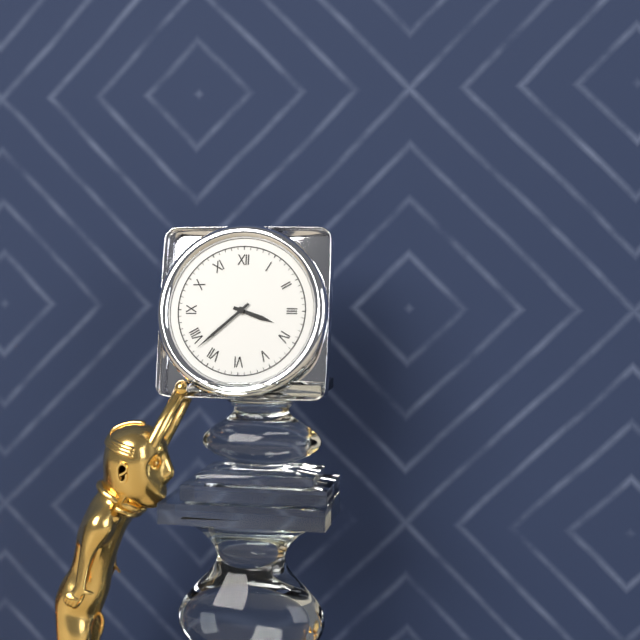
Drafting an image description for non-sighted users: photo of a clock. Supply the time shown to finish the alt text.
3:38
